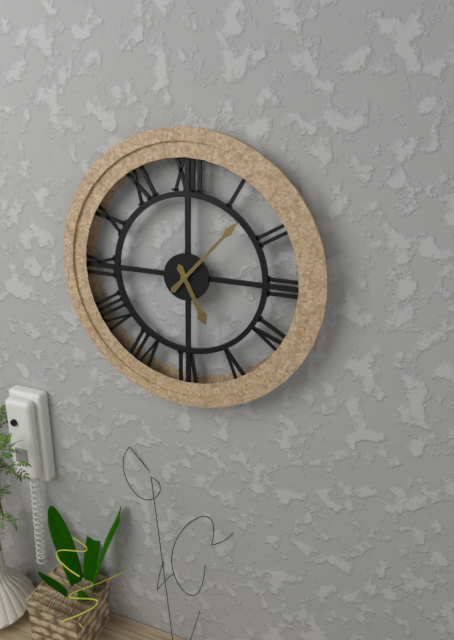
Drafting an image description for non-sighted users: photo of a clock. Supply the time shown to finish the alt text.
5:07
